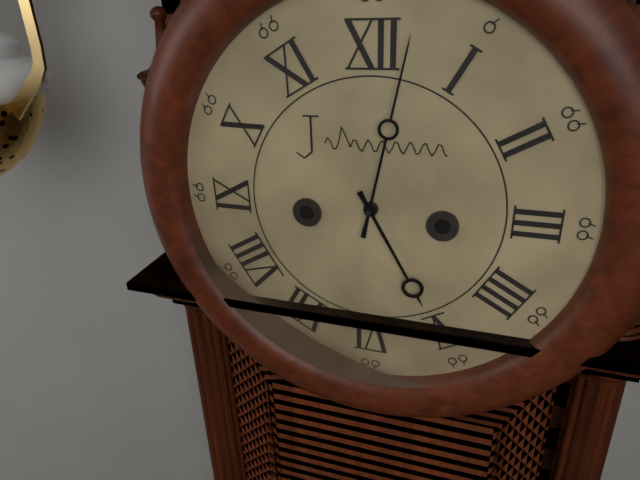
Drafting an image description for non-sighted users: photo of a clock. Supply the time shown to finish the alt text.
5:02
